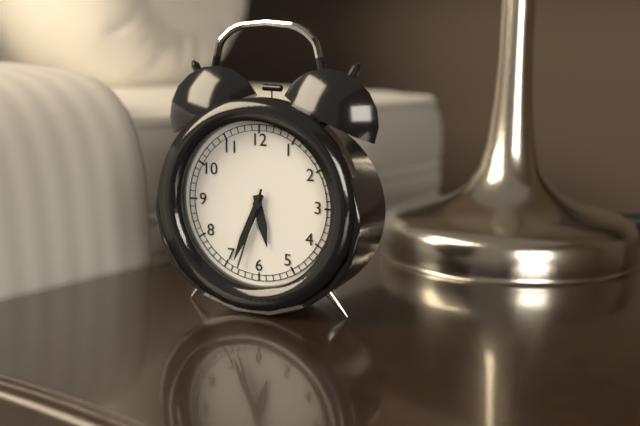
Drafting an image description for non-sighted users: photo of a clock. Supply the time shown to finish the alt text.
5:34:33
